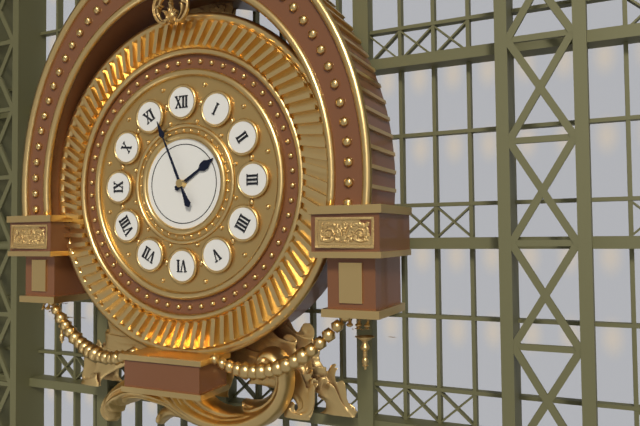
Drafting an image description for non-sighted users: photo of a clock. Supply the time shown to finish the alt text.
1:56
